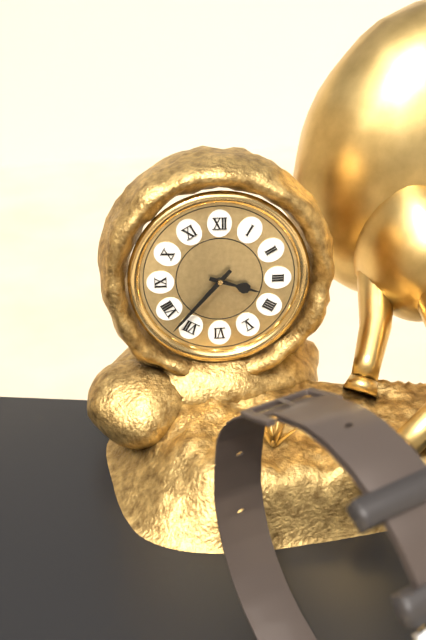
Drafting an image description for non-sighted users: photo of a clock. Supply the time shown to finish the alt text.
3:37
